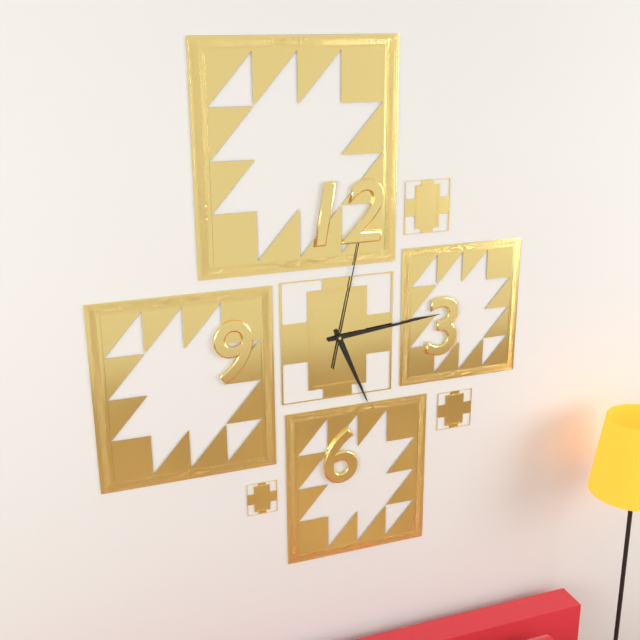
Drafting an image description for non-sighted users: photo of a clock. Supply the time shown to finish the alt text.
5:14:02
